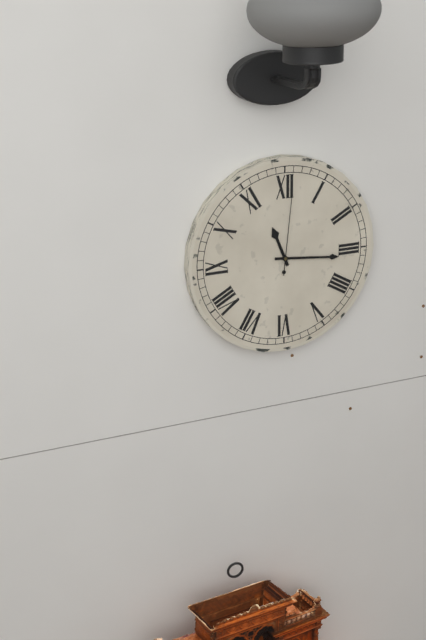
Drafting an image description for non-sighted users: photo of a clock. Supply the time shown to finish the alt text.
11:16:01
